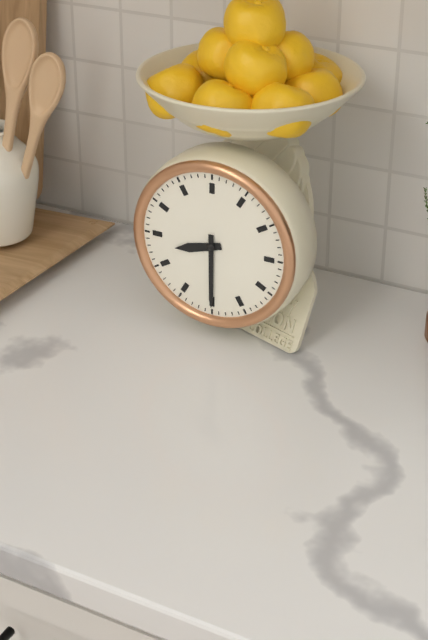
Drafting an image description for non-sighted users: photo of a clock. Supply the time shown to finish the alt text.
8:30
